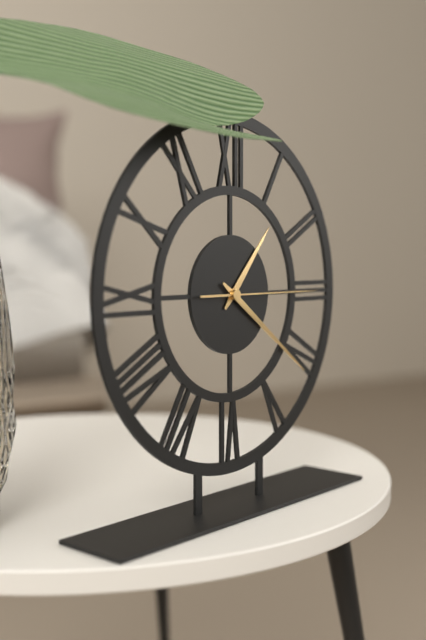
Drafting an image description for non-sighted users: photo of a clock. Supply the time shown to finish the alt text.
1:21:15
